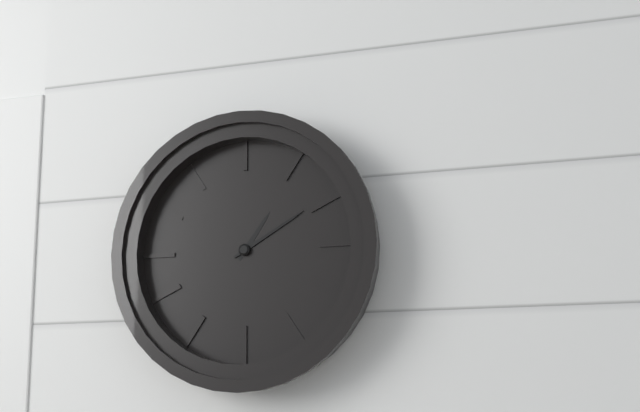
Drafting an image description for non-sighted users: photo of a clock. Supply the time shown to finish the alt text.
1:10
